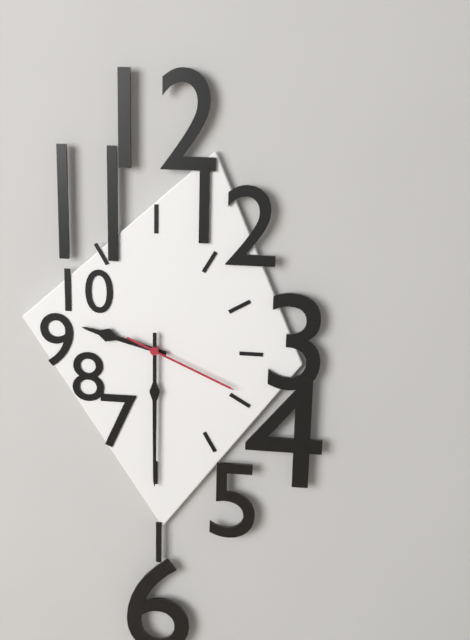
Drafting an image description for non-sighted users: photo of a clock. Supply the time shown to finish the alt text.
9:30:19
